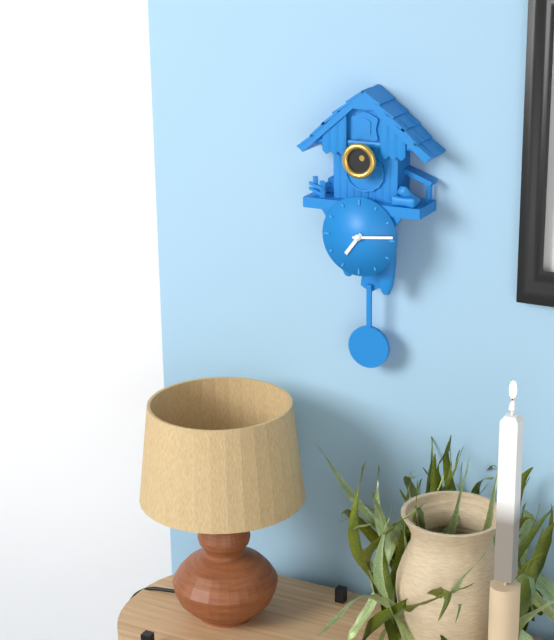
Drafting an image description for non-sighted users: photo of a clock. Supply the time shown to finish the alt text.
7:14
